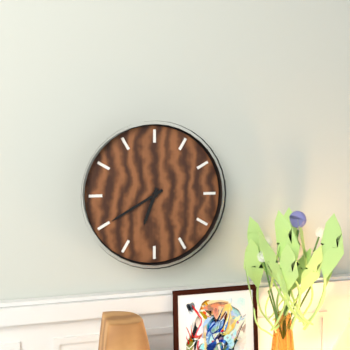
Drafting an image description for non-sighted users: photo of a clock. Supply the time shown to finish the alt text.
6:40
